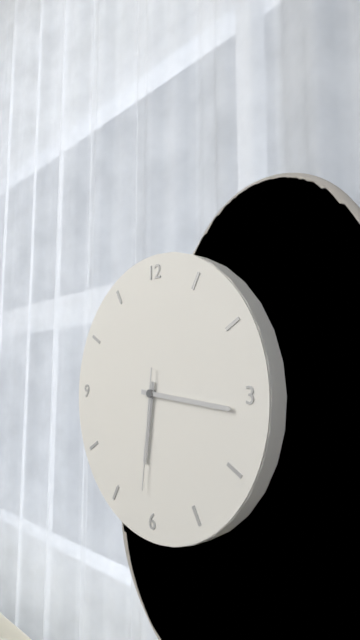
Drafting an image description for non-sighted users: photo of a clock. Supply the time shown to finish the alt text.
6:16:31
